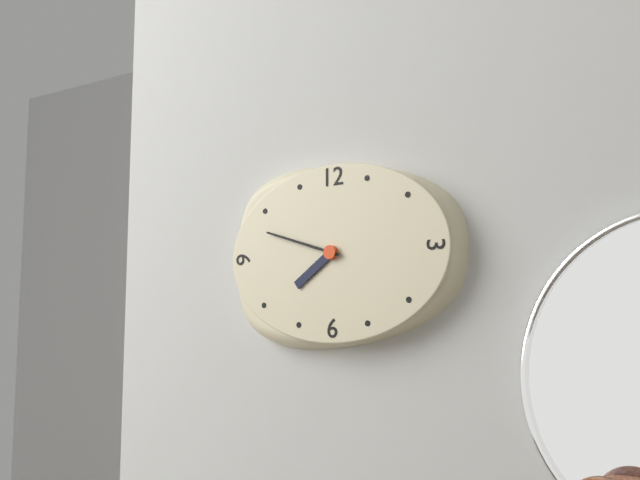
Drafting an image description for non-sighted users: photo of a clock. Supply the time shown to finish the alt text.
7:48
